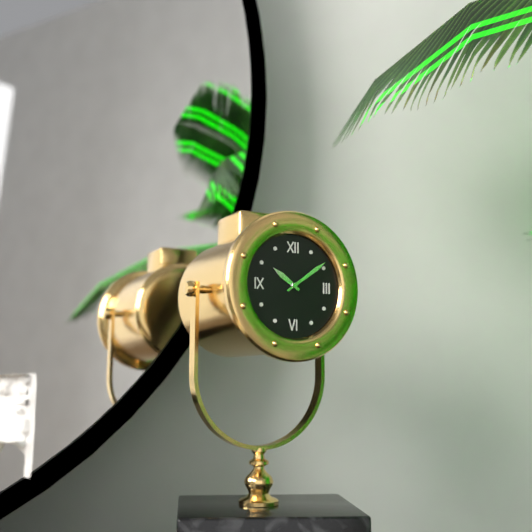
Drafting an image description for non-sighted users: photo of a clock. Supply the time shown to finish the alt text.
10:09
